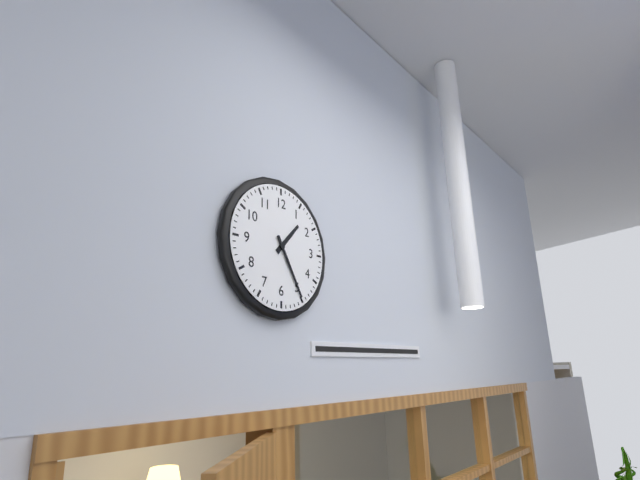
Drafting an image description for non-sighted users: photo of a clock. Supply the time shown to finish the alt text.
1:25
